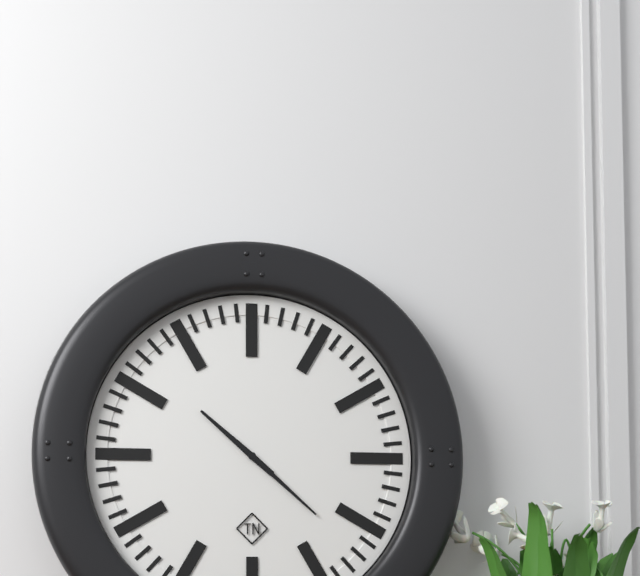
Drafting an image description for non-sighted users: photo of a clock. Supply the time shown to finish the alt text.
10:22
